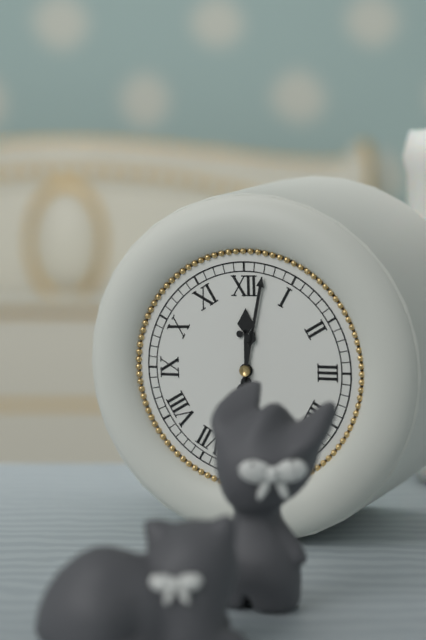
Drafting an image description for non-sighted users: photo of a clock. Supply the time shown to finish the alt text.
12:02
